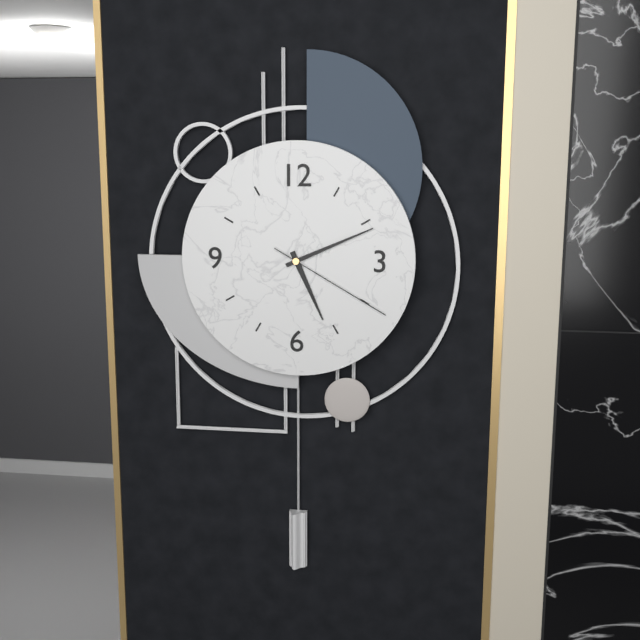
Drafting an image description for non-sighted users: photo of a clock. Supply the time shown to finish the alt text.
5:11:20
